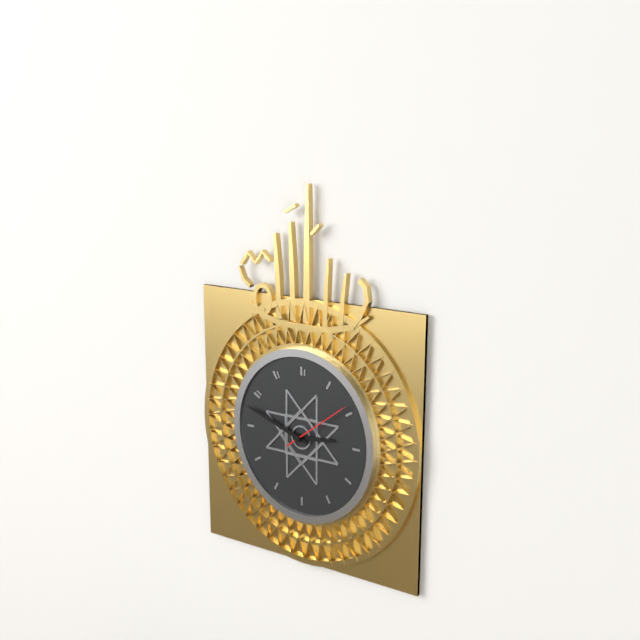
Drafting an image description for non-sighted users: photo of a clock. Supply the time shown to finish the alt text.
2:48:09
